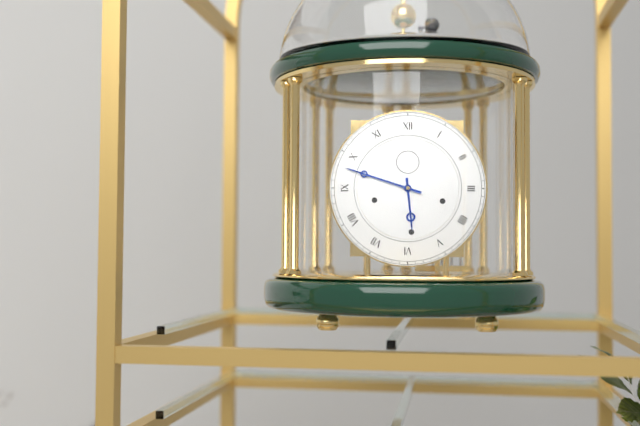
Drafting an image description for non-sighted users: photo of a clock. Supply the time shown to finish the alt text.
5:48
